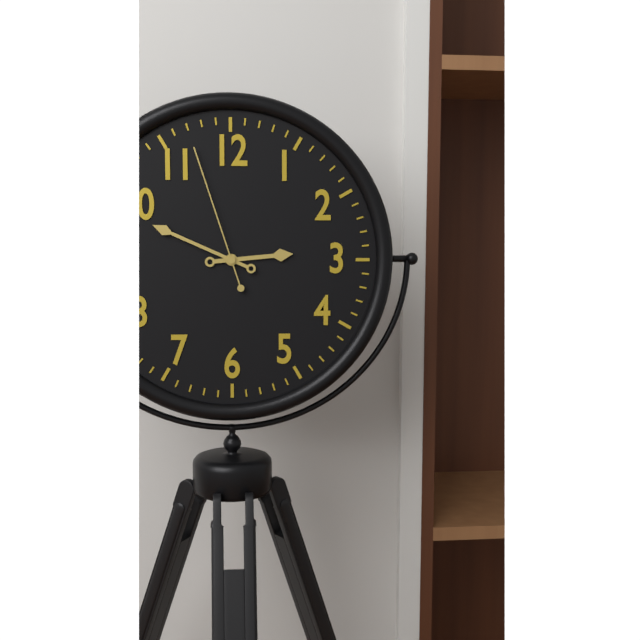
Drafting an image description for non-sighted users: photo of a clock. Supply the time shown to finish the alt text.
2:49:57
